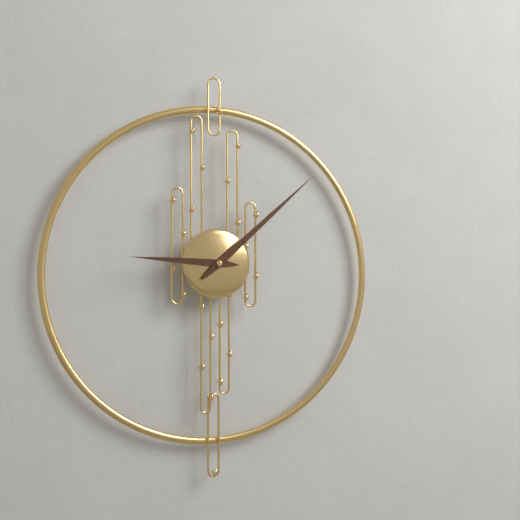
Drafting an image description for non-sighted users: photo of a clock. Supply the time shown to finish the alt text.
9:08
